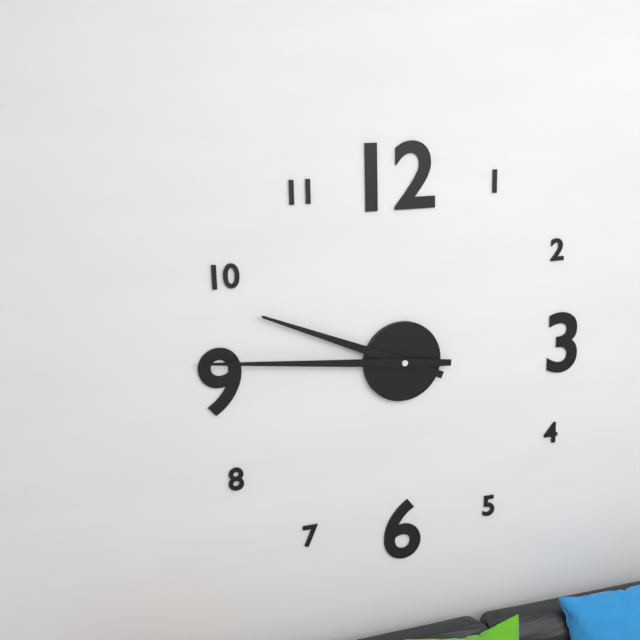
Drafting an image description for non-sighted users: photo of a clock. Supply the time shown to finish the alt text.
9:46
